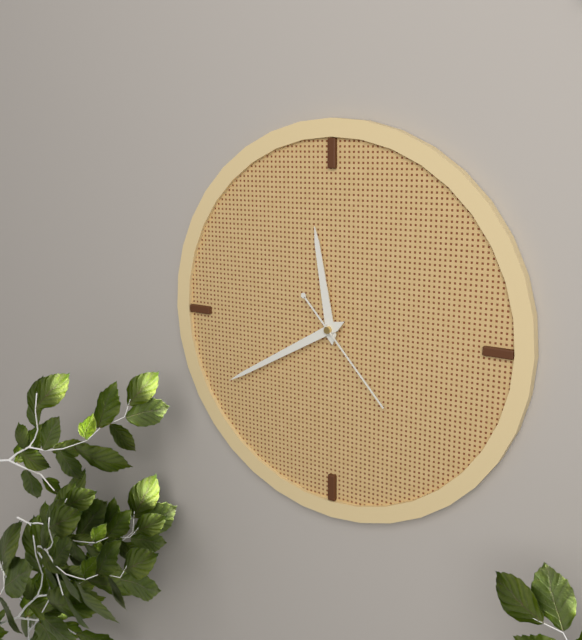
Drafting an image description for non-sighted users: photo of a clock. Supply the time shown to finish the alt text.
11:40:23
